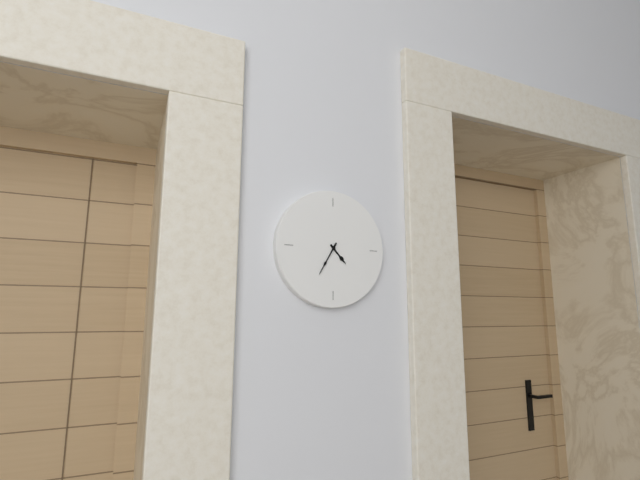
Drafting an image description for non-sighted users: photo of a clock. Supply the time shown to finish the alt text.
4:35
